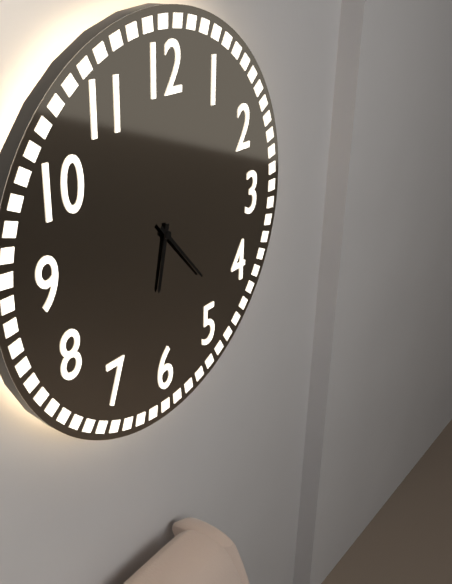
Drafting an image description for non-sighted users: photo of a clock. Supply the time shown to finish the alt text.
6:23
